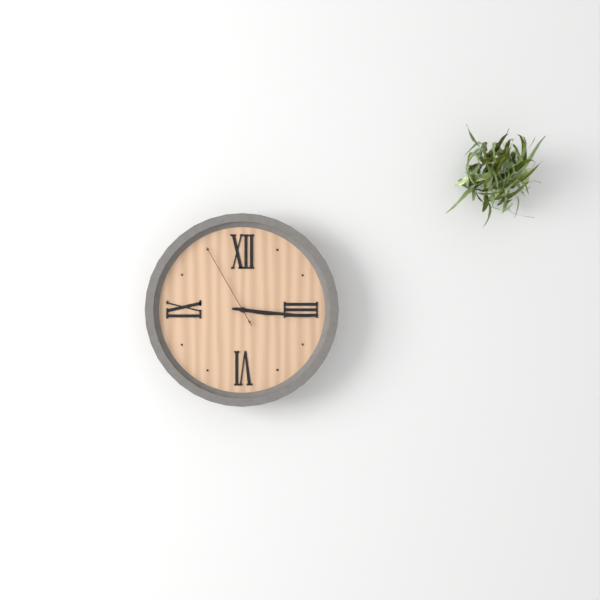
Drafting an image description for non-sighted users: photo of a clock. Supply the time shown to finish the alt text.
3:16:55
